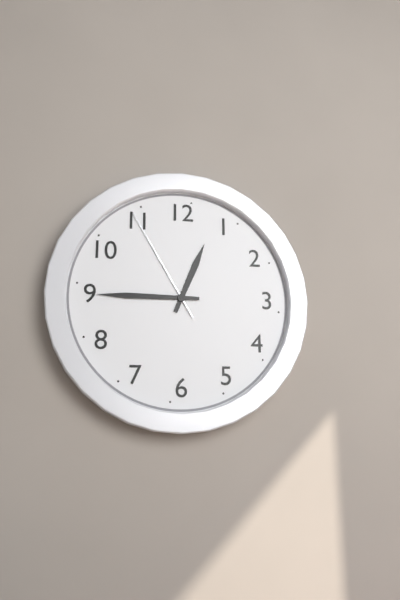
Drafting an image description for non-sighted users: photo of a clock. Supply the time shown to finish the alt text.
12:45:55
